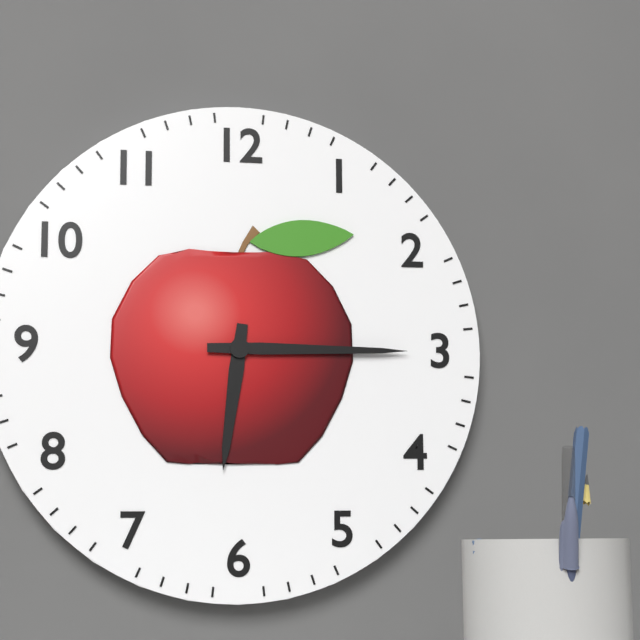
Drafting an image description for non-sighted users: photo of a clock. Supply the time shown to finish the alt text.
6:15
